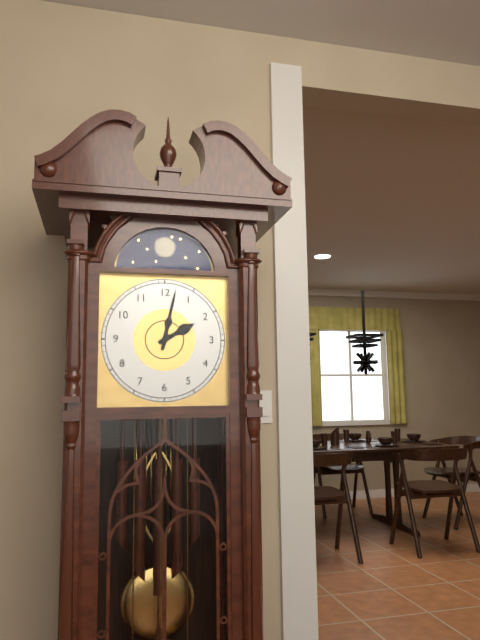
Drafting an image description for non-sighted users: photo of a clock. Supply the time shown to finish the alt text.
2:02
